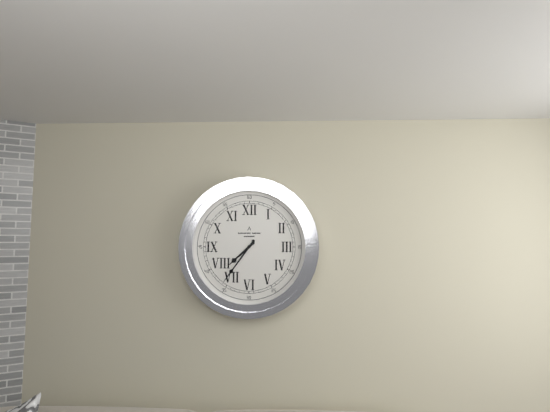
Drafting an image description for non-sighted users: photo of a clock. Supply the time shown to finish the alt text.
7:36
